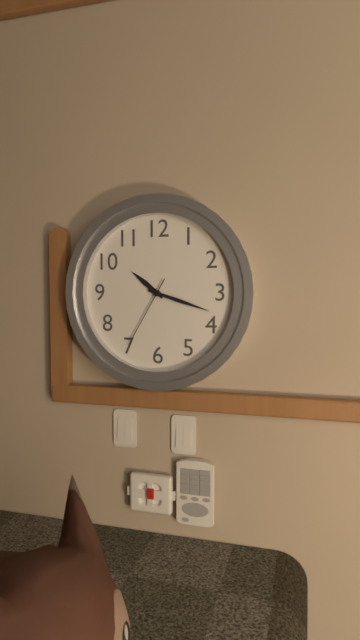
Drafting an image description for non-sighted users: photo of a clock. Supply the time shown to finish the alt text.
10:18:35
